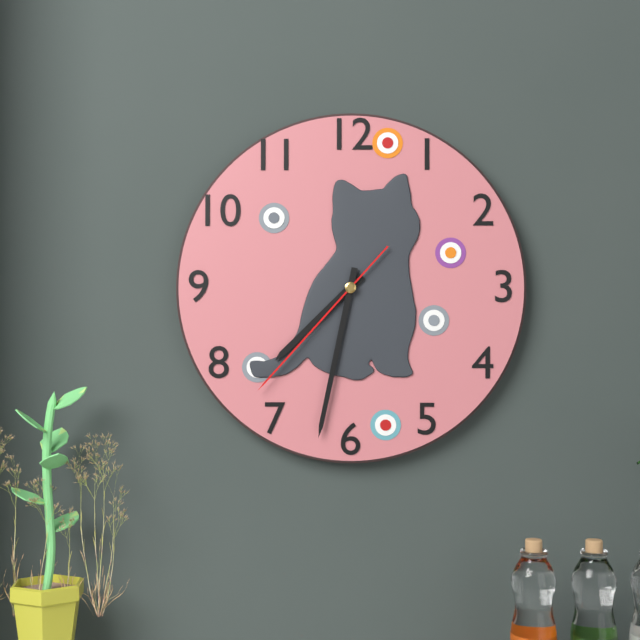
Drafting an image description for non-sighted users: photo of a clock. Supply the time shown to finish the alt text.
7:32:37
